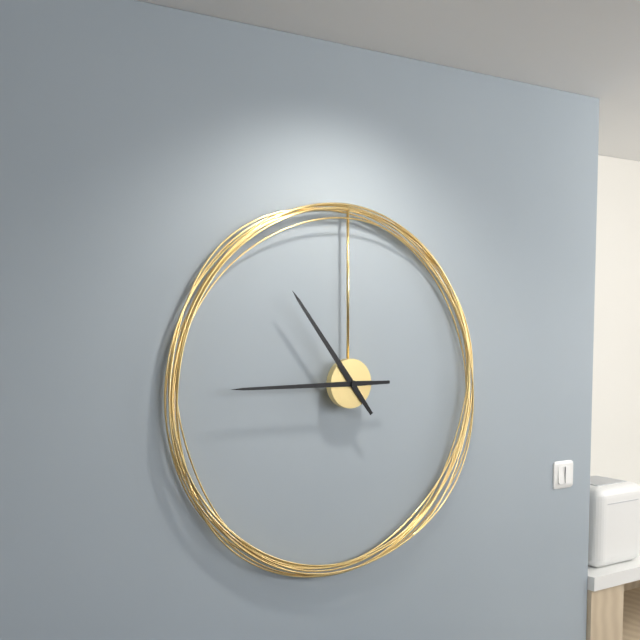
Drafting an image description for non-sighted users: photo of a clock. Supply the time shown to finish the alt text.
10:45
